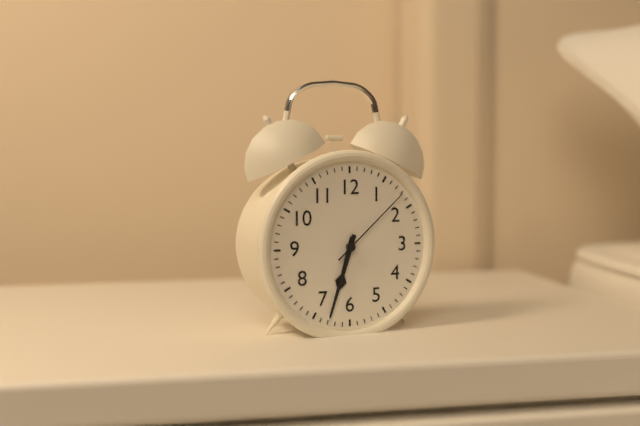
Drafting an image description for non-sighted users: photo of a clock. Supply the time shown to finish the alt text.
6:33:08
